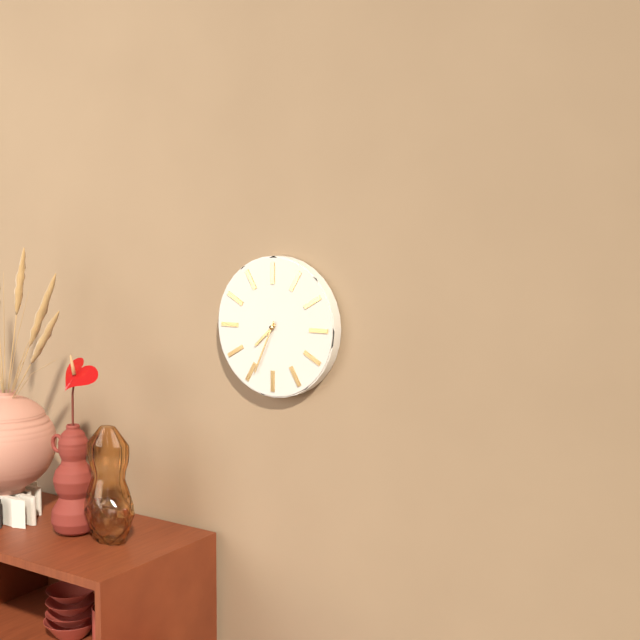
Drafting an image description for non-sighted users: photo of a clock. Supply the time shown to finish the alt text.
7:34
